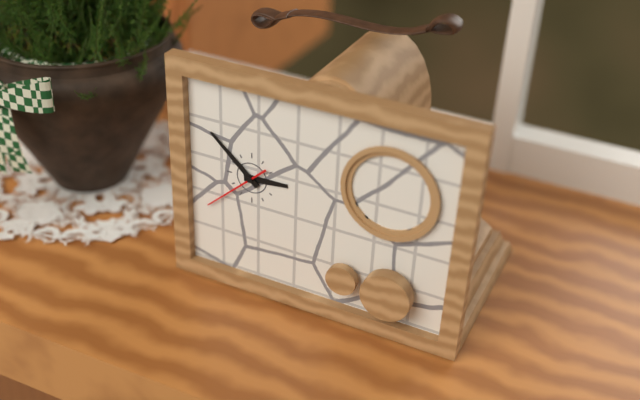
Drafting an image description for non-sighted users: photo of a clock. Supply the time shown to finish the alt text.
2:52:38
